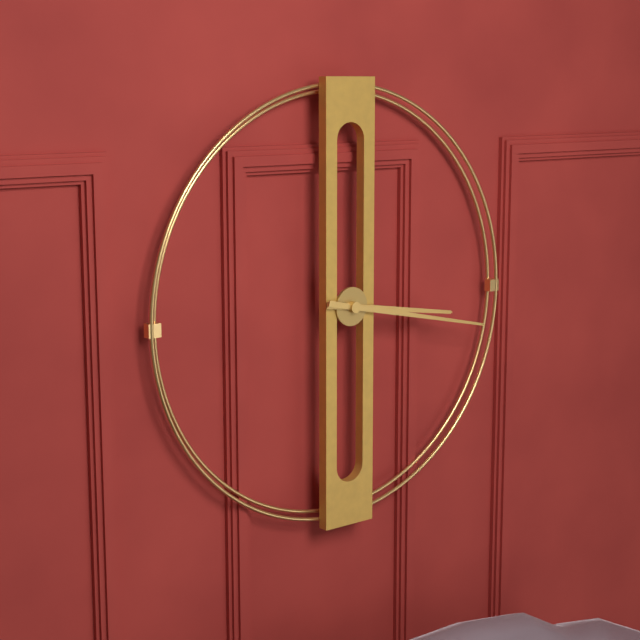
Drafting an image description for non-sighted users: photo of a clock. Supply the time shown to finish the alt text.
3:17
